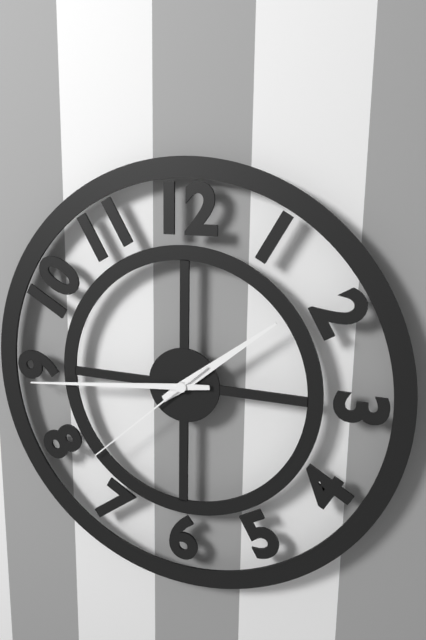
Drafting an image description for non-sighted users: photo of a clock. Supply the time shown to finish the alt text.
1:44:38
